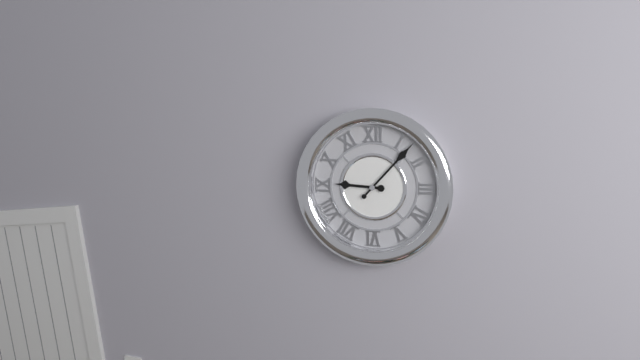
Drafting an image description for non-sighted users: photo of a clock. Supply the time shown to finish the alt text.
9:07
